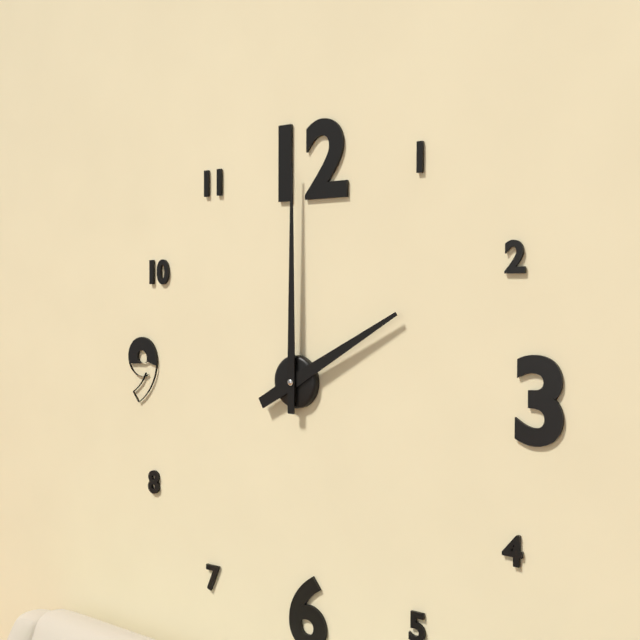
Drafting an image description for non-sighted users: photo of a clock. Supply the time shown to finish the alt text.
2:00
